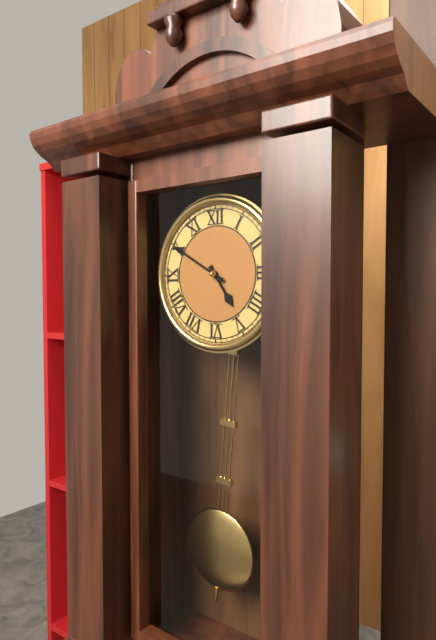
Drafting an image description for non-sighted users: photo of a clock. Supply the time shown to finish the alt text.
4:50
